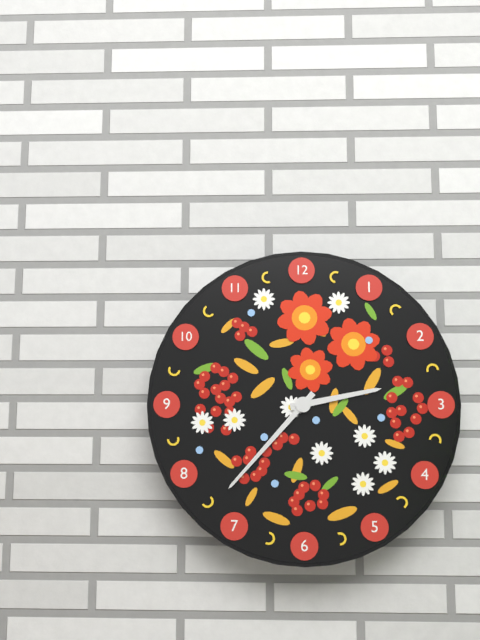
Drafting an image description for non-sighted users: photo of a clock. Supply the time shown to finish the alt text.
2:37
